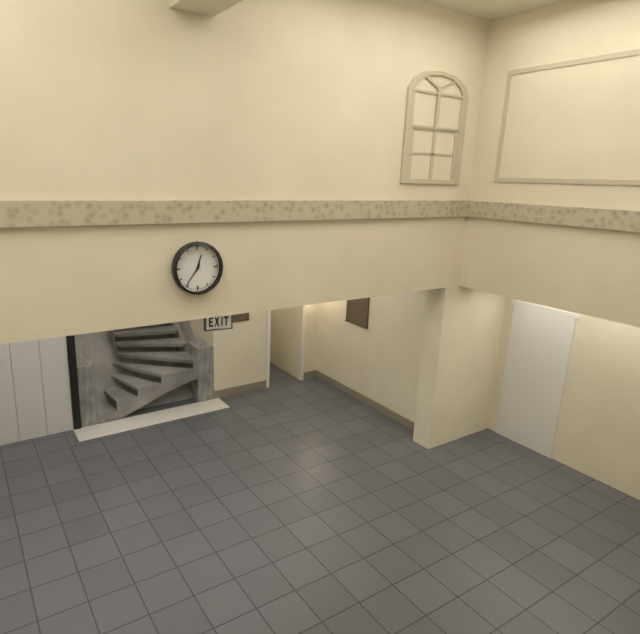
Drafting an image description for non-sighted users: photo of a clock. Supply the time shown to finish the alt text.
12:36
